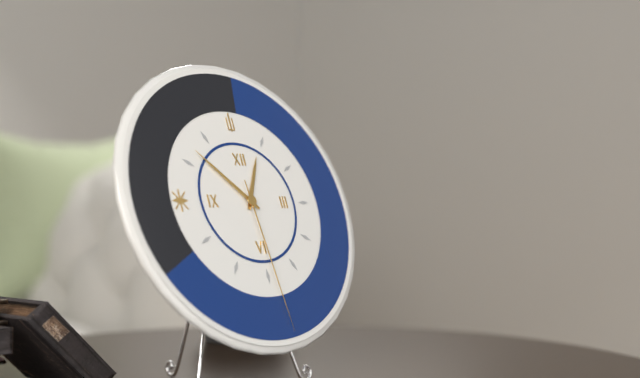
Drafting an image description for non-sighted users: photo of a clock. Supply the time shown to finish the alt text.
12:52:29
